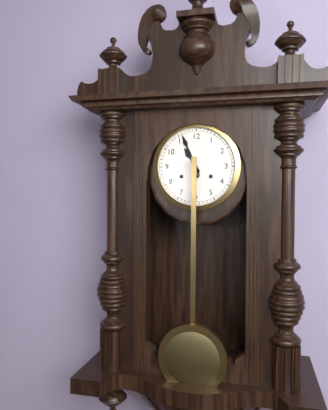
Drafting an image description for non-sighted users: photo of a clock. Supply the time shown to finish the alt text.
10:56
